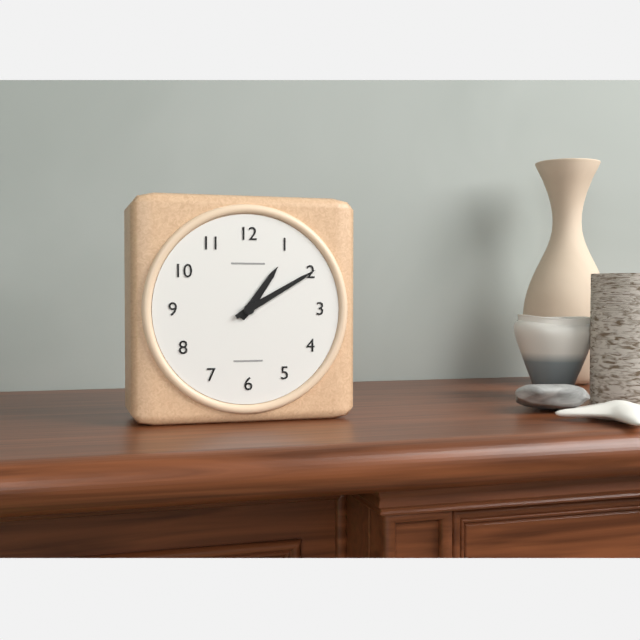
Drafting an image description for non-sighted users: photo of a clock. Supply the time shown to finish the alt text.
1:10
